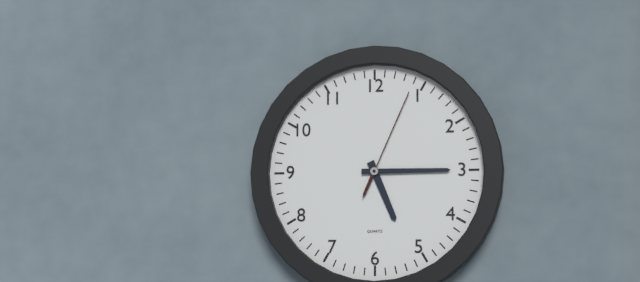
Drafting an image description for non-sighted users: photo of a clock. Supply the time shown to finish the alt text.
5:15:04
